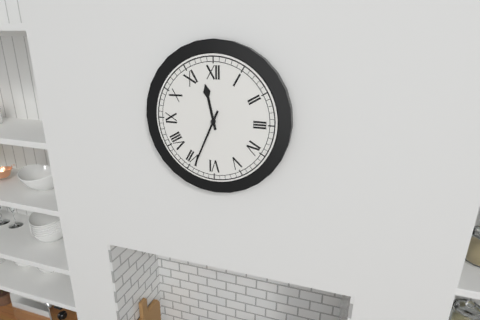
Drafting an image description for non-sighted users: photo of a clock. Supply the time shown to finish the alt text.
11:34
